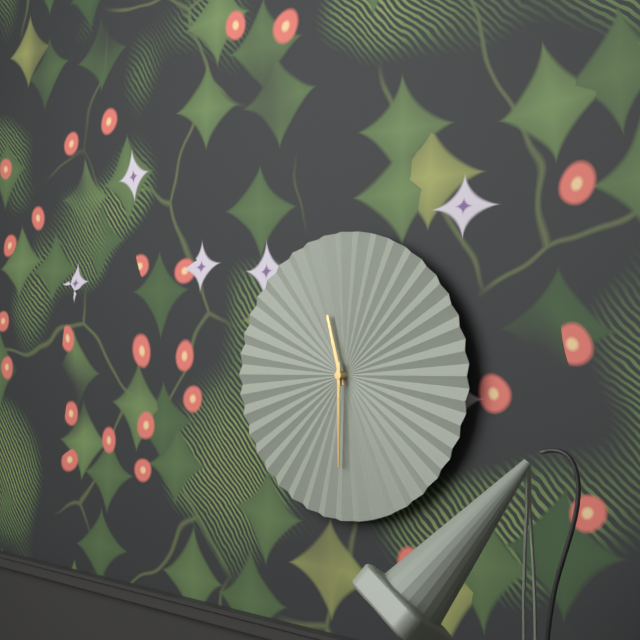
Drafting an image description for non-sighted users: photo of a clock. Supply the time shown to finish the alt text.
11:30
